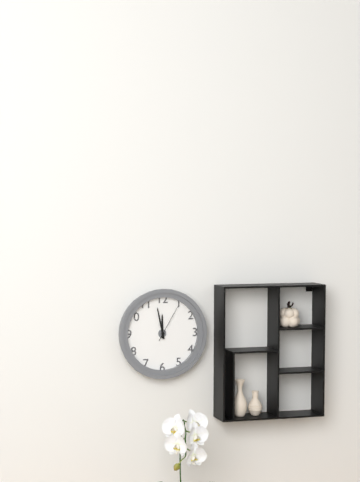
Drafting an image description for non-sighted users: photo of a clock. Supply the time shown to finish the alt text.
11:58
